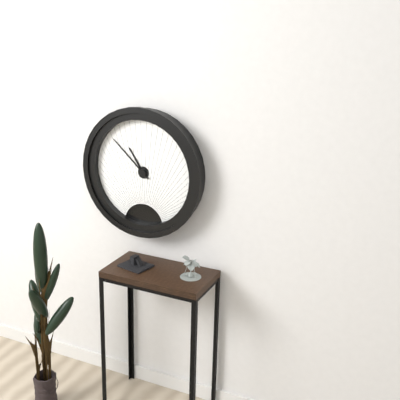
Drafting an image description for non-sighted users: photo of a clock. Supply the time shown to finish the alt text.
10:52
